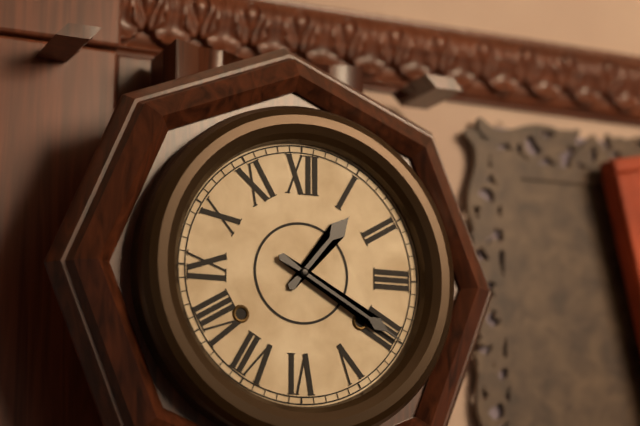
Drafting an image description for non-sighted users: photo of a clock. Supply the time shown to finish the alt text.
1:20
